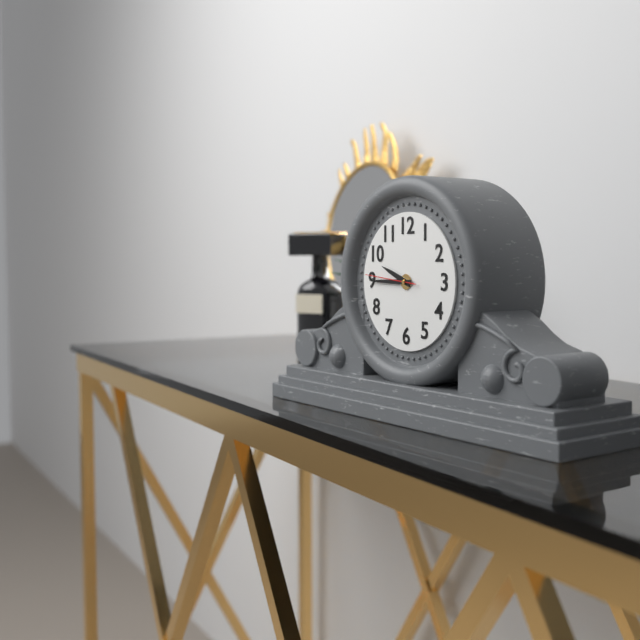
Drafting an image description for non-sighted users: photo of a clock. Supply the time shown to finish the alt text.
9:45:46
